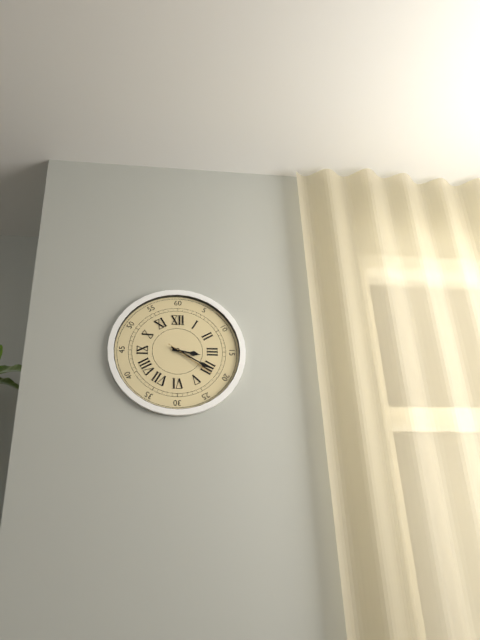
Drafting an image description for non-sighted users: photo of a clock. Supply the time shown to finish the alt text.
3:20:21
